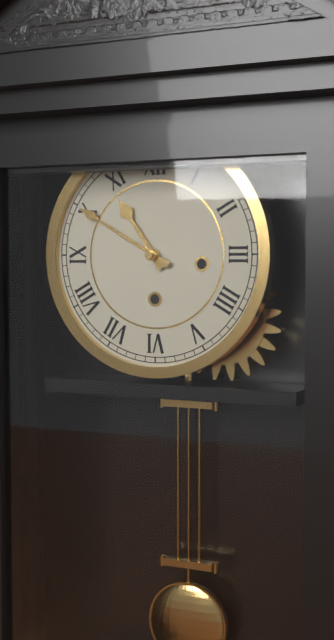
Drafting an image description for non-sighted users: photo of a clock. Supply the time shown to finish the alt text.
10:50
